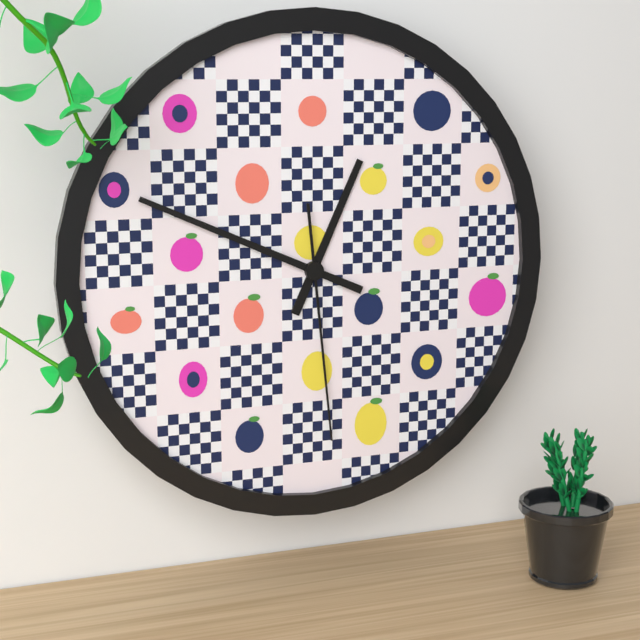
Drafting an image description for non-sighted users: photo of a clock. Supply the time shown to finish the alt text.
12:49:29
